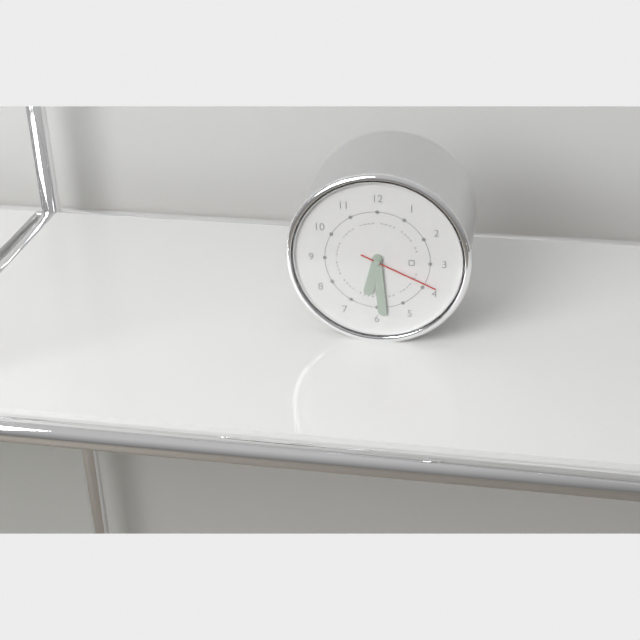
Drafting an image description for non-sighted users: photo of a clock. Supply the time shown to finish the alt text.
6:29:19
